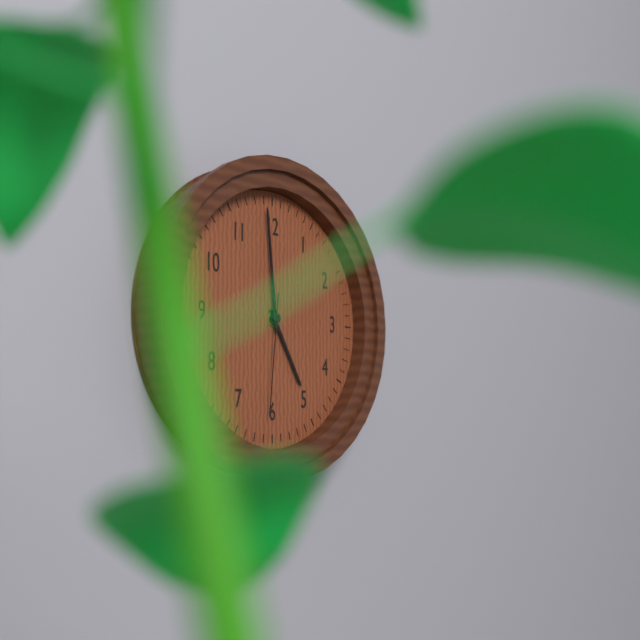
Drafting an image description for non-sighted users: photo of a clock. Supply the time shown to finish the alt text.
4:59:31
